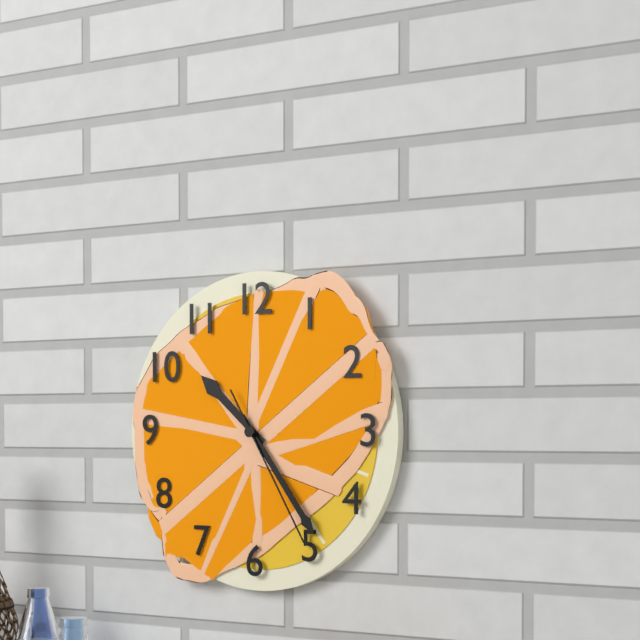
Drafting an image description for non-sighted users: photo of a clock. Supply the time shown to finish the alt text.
10:24:25
